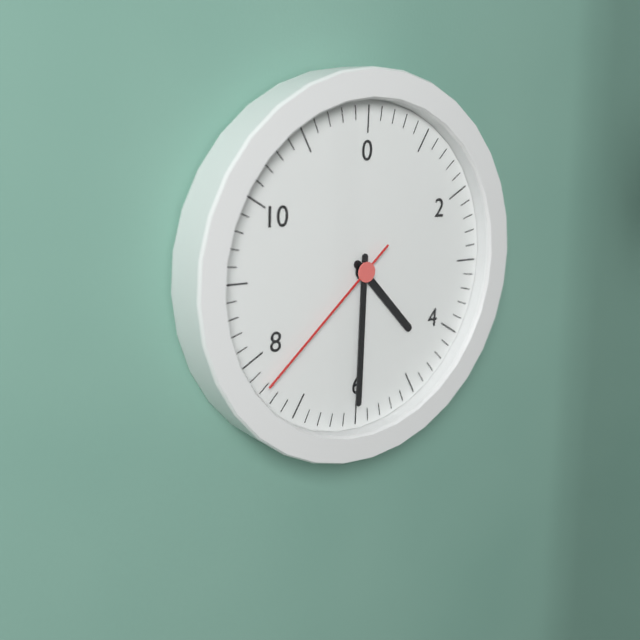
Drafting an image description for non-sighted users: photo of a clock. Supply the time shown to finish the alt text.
4:30:38
